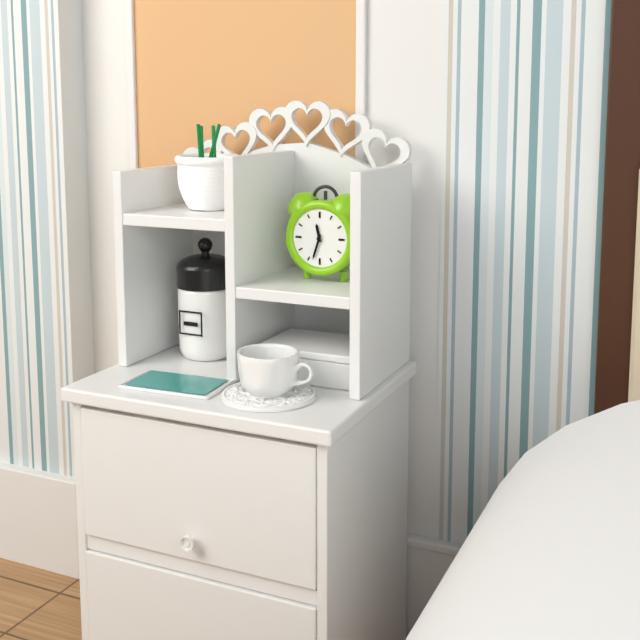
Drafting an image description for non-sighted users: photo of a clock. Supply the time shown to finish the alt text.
11:33
